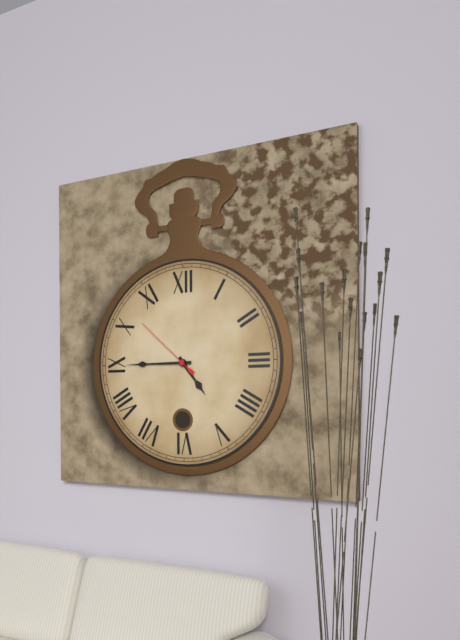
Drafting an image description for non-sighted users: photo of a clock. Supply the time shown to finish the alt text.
4:45:52
